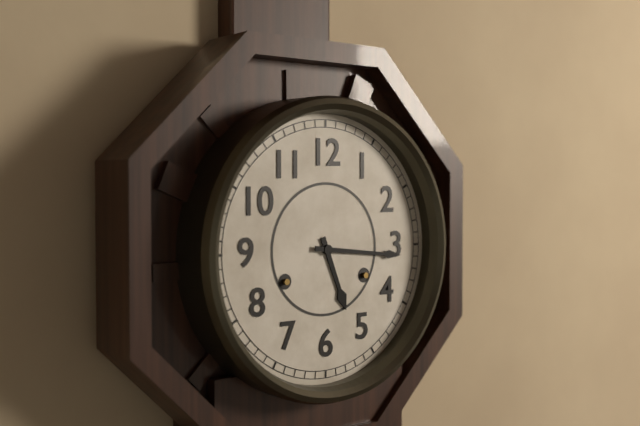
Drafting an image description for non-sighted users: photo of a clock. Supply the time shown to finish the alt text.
5:16
